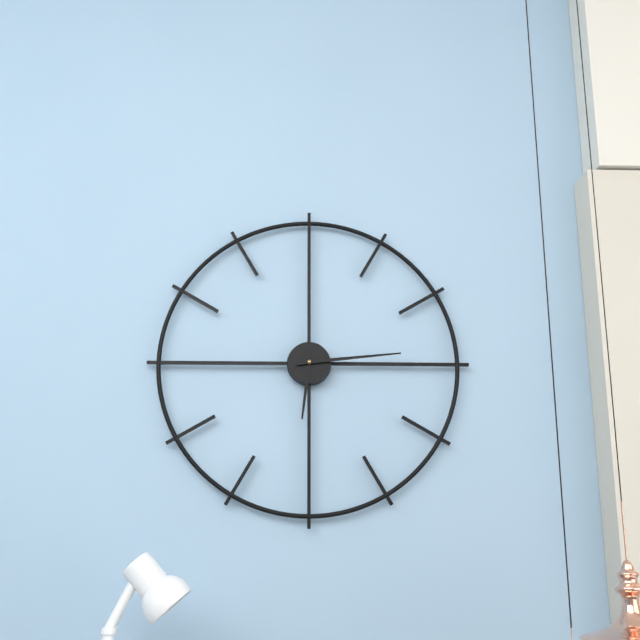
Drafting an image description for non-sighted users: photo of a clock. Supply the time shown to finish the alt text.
6:14
